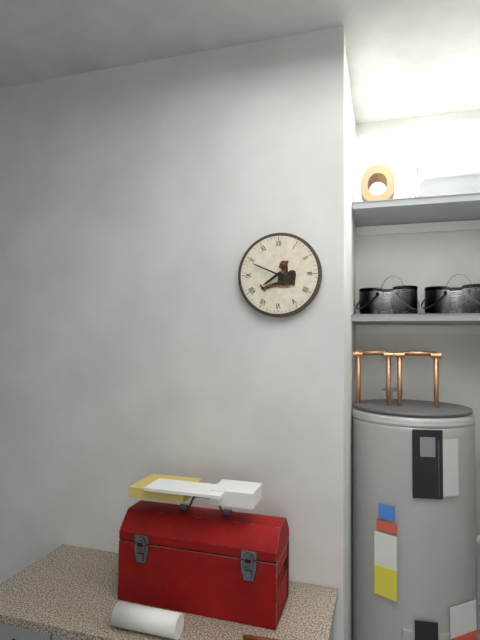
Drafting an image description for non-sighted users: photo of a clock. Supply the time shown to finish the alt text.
7:49
